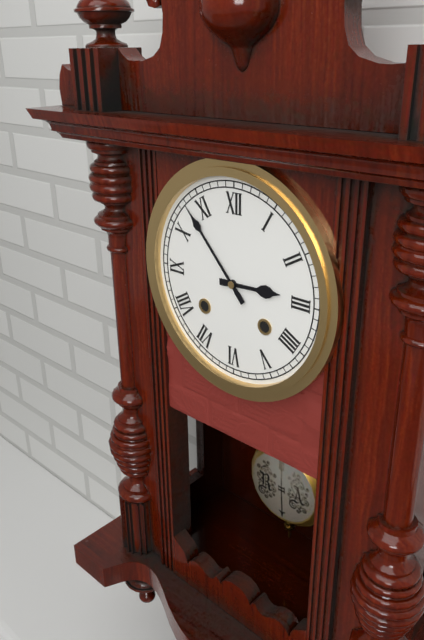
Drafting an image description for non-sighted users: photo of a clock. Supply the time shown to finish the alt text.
2:53
